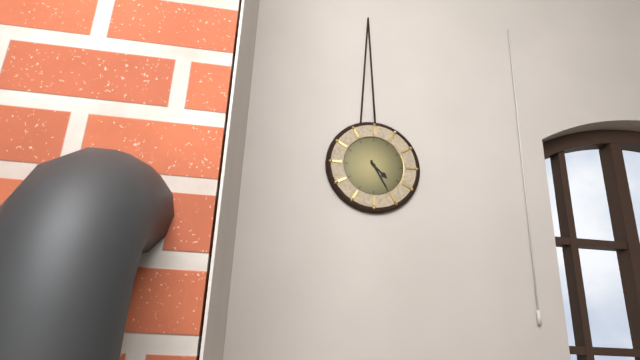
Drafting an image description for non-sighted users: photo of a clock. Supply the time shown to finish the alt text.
4:25
